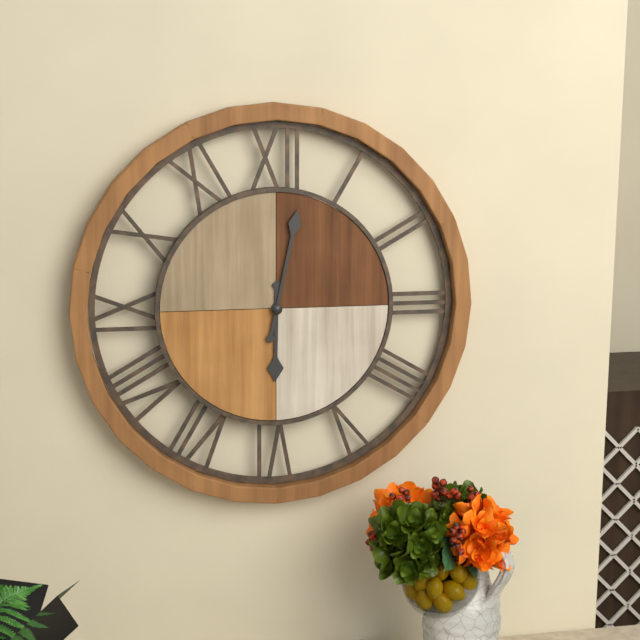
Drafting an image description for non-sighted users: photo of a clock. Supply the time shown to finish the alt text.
6:02
